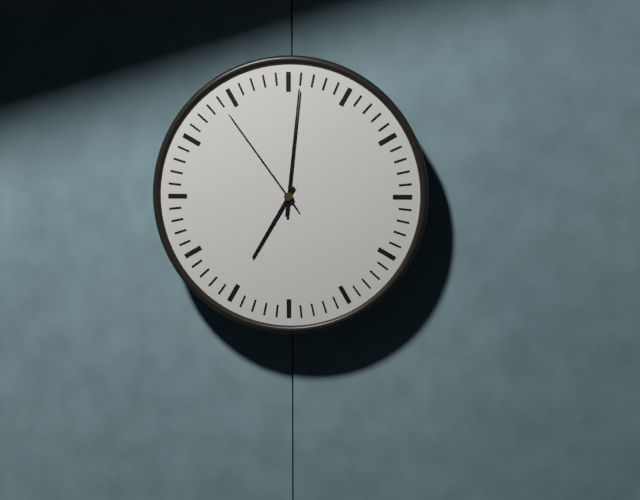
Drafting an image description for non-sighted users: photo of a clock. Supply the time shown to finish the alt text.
7:01:54
